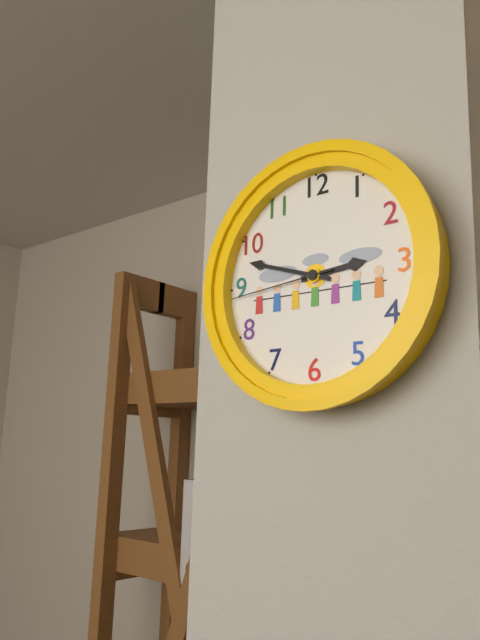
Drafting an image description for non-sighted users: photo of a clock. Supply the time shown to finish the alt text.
2:48:44
